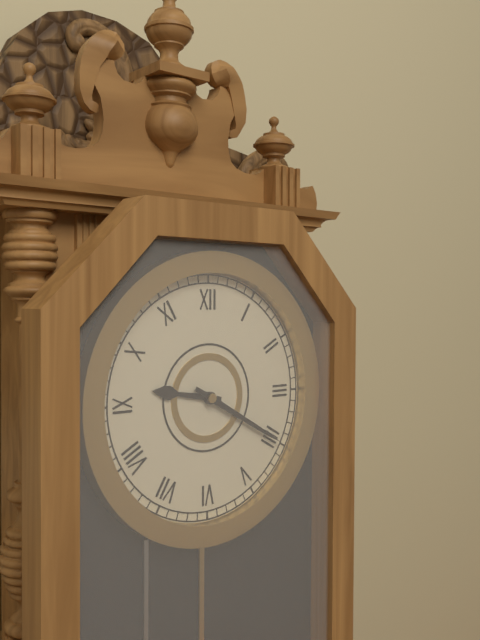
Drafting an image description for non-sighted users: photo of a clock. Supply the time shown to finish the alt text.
9:20
